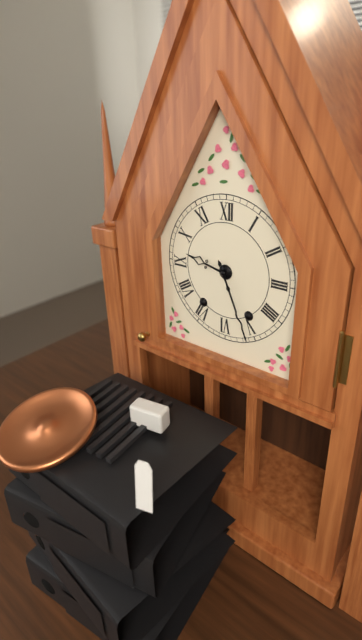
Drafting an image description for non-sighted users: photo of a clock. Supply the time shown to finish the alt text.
9:26
